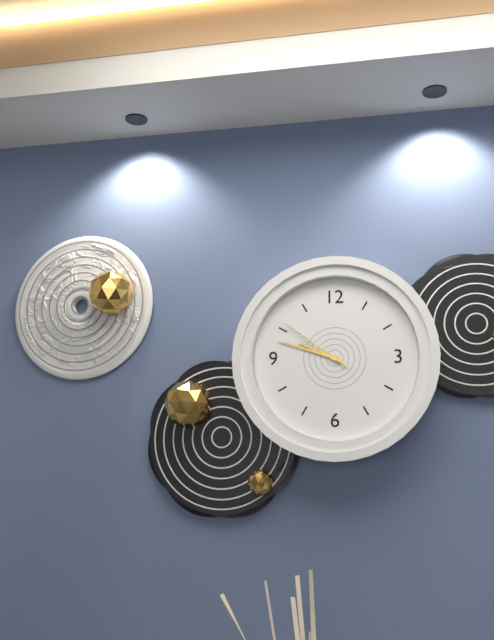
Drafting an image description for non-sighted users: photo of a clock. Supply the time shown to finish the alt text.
9:48:51
